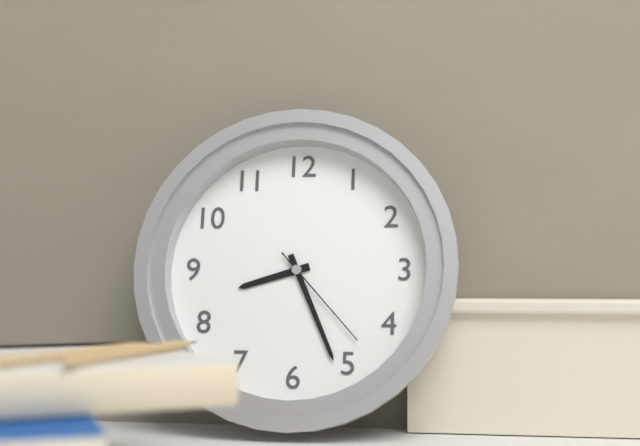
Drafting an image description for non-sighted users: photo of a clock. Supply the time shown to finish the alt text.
8:26:23
